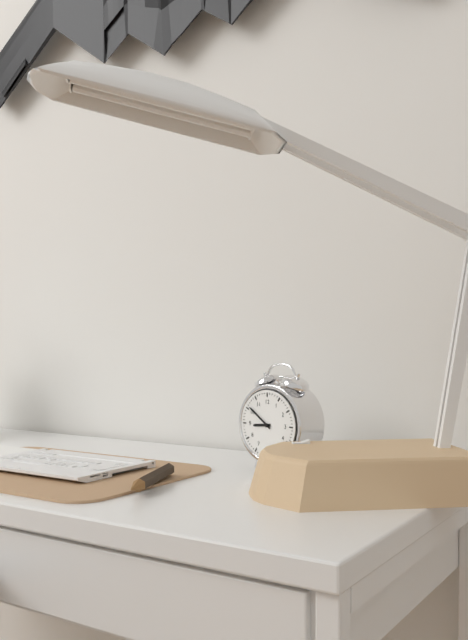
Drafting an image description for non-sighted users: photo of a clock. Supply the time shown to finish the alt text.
8:51
